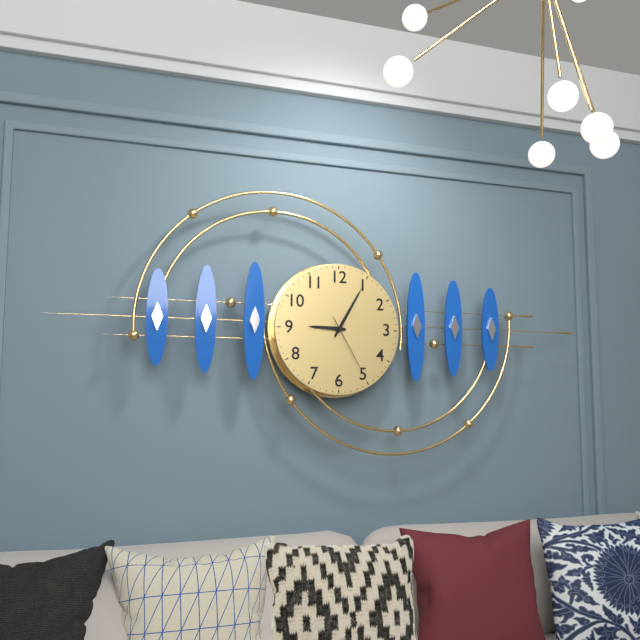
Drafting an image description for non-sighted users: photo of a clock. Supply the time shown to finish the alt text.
9:05:25
